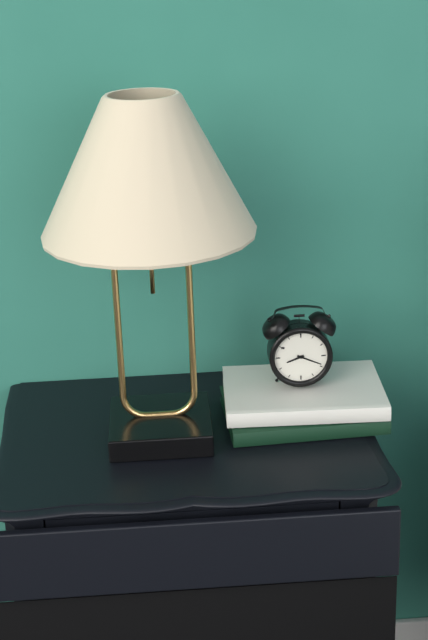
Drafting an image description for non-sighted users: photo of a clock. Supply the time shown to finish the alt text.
8:19
